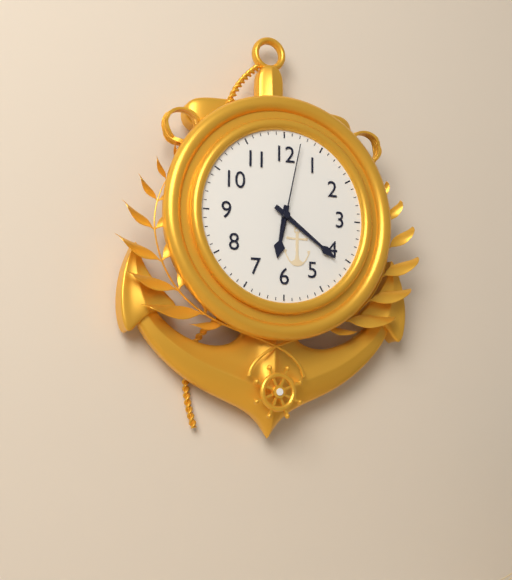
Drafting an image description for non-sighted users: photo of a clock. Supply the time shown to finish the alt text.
6:21:02
